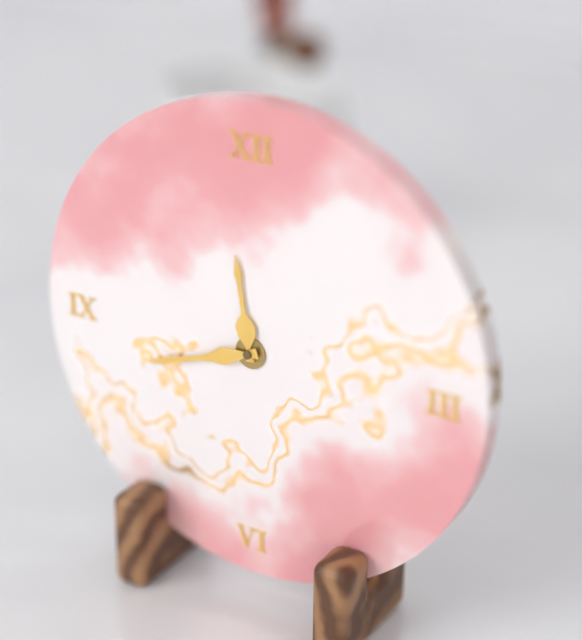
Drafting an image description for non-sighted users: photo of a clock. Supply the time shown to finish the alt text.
11:42
